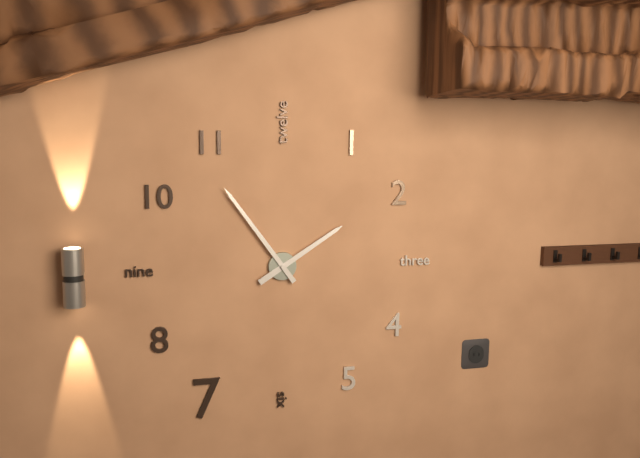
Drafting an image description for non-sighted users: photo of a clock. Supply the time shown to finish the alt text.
1:54
